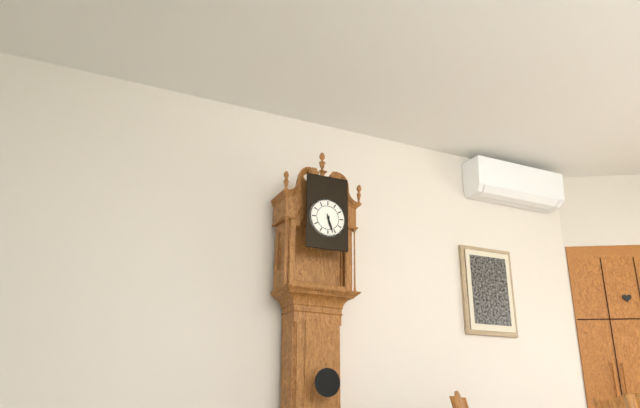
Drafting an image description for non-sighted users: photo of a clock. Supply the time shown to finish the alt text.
5:27
